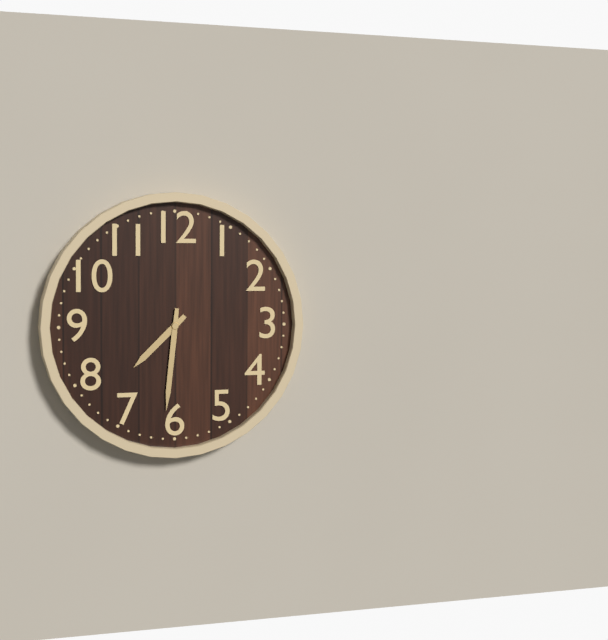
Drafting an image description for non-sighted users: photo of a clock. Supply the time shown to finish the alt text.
7:31
